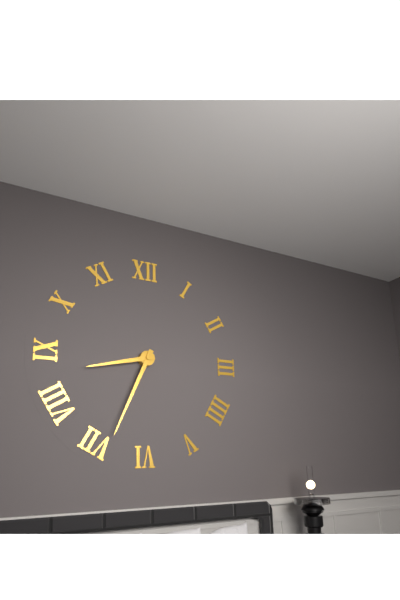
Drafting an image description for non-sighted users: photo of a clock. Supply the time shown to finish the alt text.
8:34
